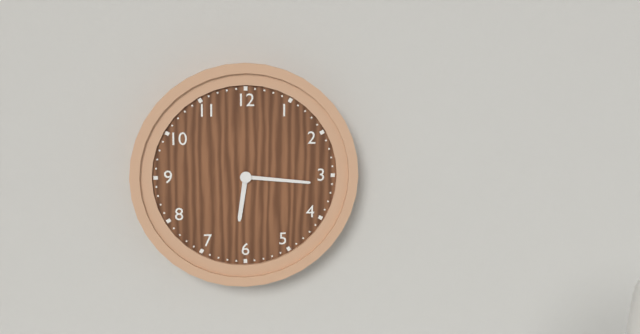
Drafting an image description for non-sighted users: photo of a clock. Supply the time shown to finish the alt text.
6:16
